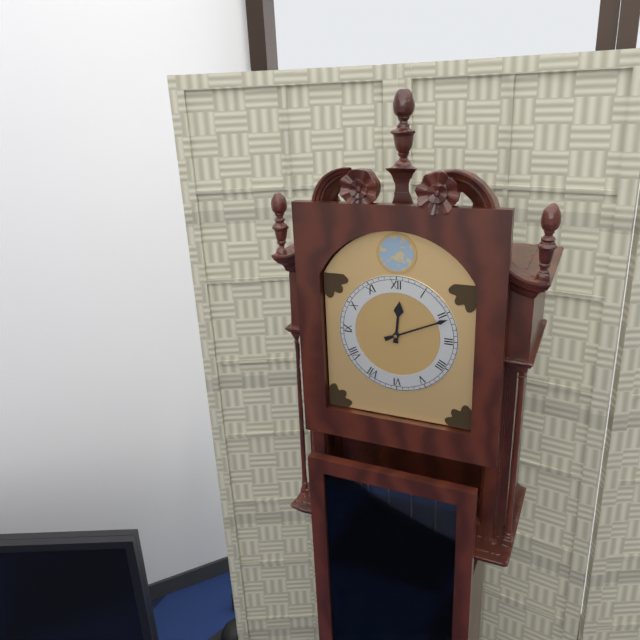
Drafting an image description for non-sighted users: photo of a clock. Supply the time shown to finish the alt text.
12:11
